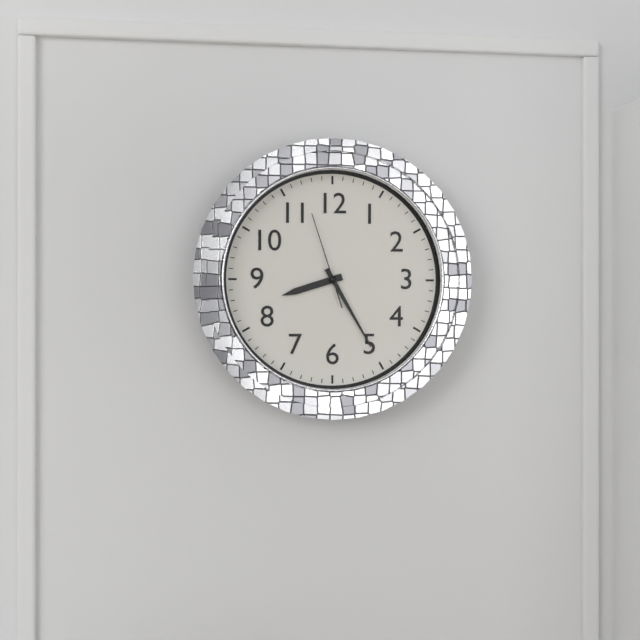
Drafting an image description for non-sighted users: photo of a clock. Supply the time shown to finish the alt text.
8:25:57
